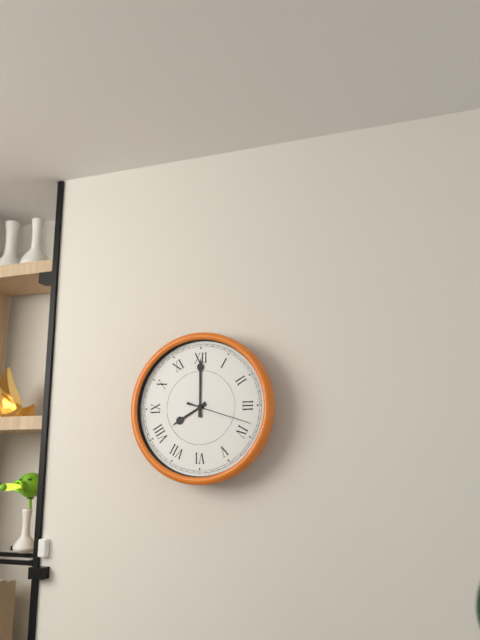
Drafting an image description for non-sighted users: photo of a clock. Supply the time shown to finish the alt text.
8:00:18
